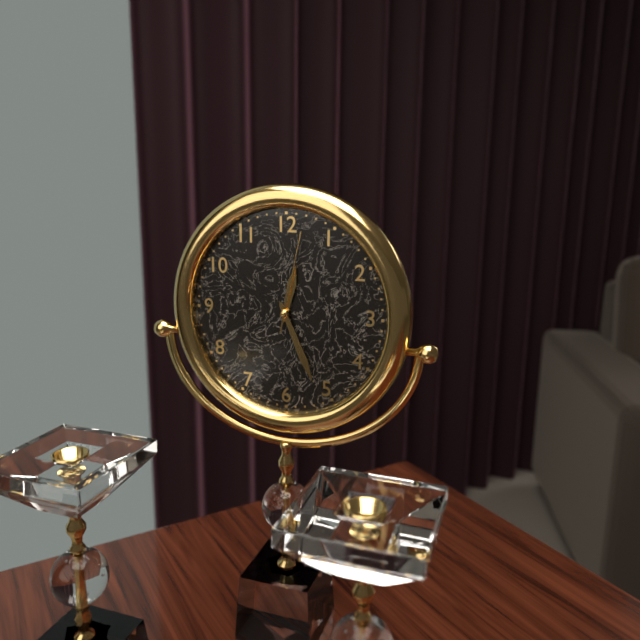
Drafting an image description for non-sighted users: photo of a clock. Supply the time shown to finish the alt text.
12:26:02
